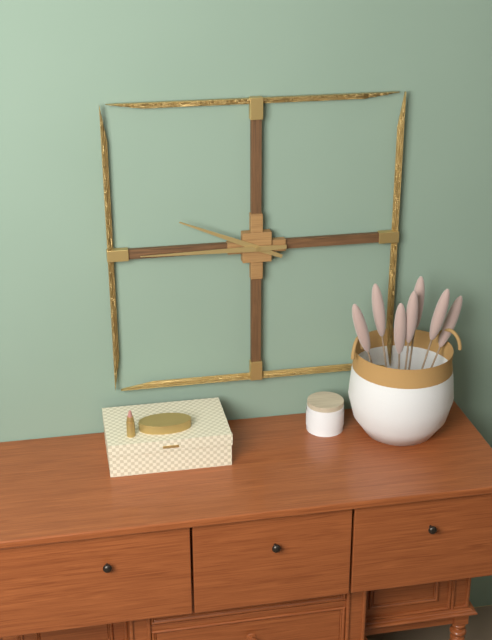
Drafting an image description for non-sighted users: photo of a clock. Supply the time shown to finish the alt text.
9:45
